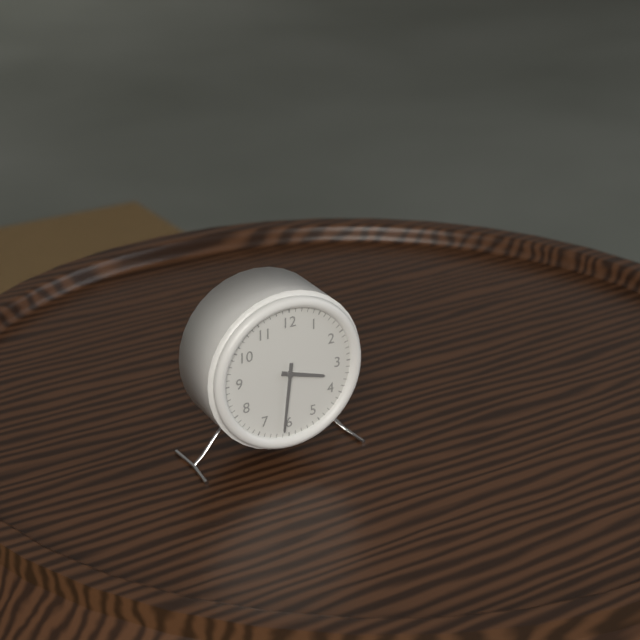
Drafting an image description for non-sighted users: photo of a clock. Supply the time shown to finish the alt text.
3:31
